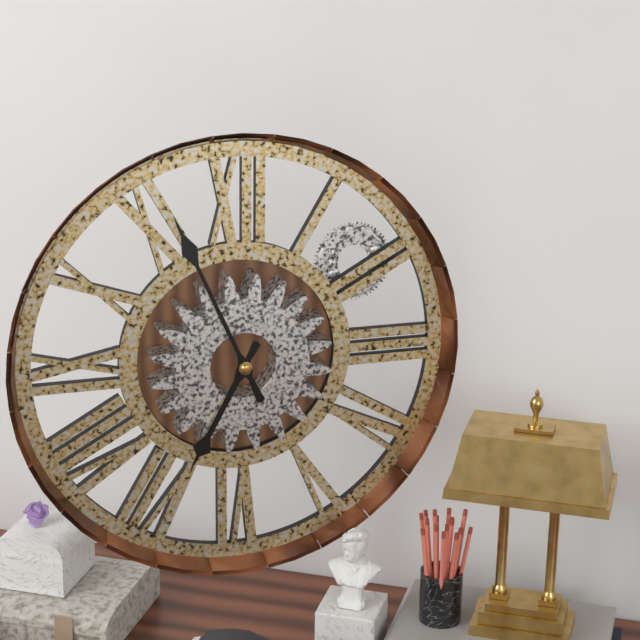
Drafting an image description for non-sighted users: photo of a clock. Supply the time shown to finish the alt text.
6:56
